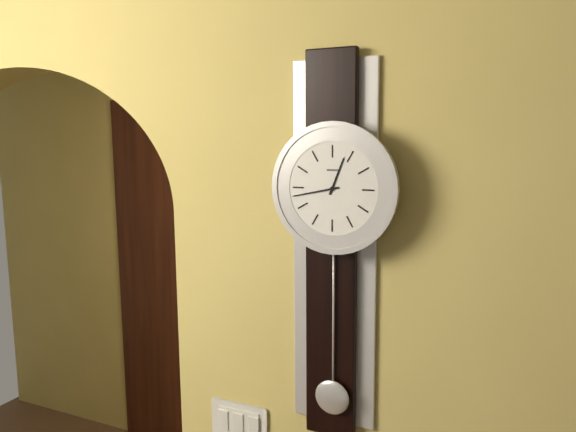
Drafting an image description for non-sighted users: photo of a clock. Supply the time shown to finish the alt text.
12:43
